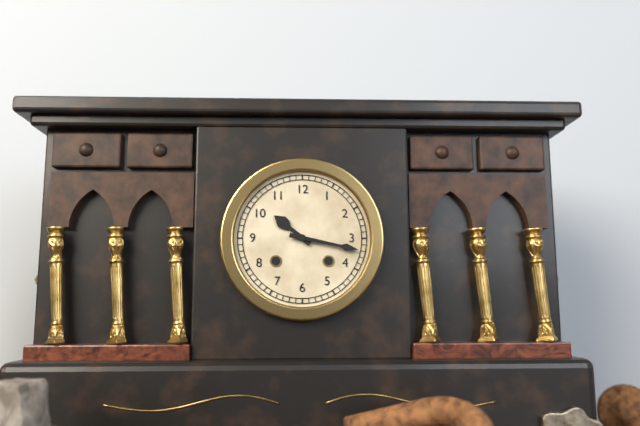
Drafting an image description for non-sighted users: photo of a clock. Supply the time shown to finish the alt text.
10:17
